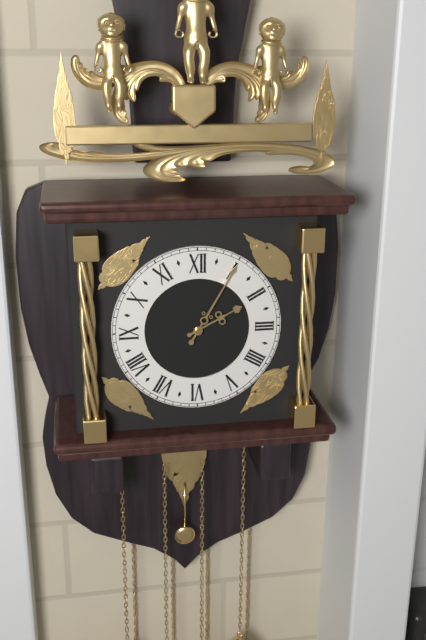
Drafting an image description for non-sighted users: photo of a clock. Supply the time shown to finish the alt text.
2:05
